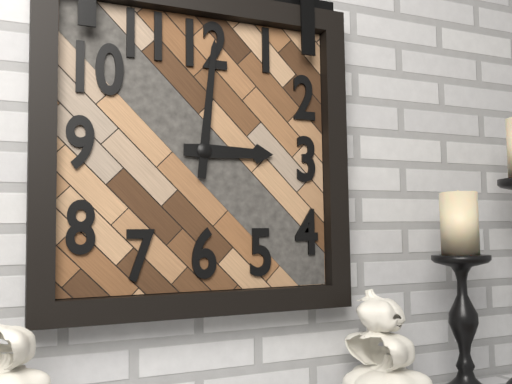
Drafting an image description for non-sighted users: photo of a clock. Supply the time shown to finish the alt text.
3:01
